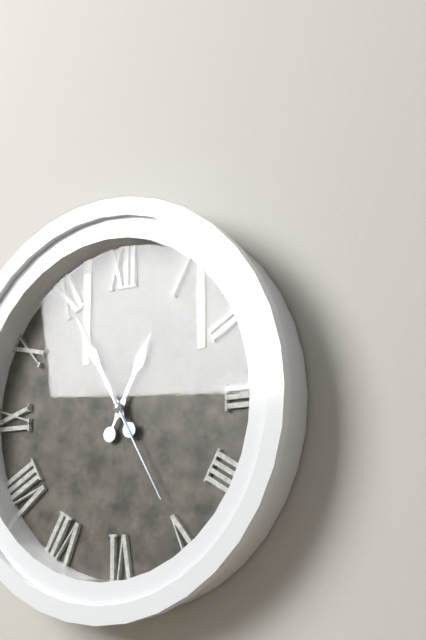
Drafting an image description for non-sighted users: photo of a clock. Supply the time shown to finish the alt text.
12:55:25
